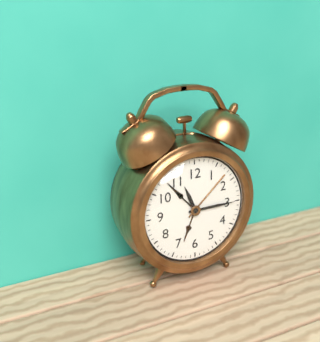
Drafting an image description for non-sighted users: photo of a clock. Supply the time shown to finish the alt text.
11:15
